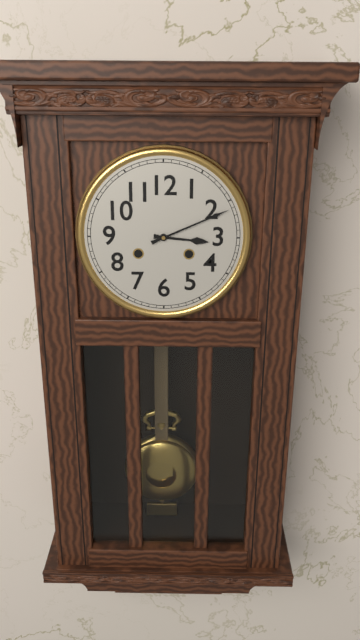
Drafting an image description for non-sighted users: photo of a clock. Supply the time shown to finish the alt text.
3:11
